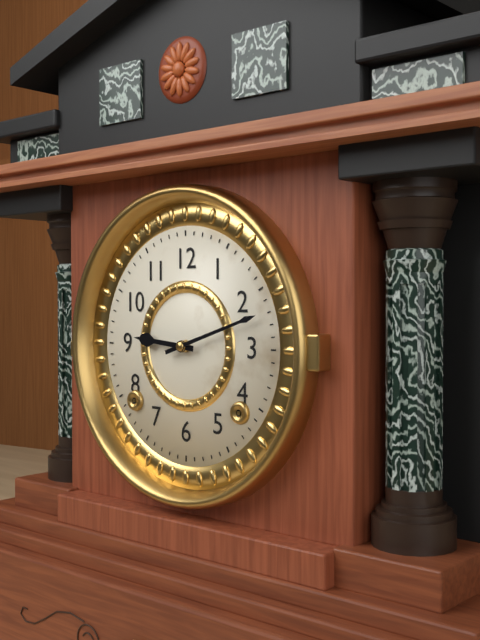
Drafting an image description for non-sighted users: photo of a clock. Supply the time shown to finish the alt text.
9:12
